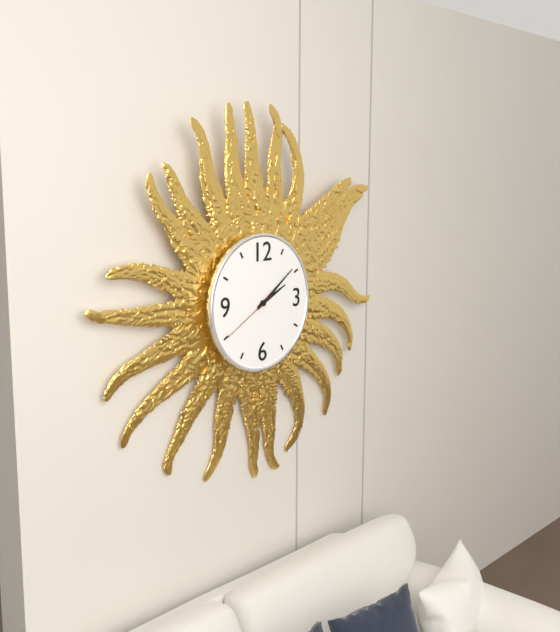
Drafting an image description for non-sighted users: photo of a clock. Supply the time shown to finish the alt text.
2:09:40
